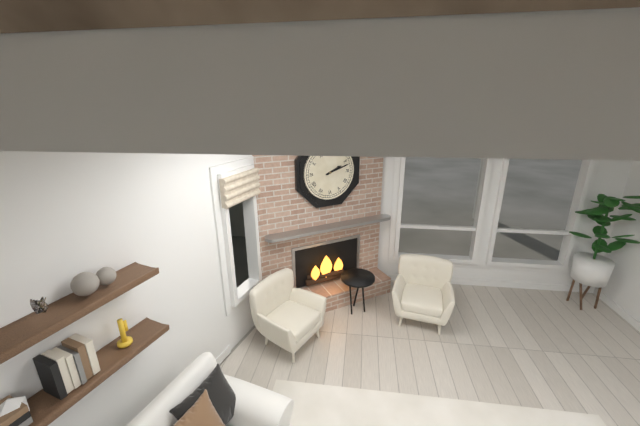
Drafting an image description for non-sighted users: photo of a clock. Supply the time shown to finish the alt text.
2:12
